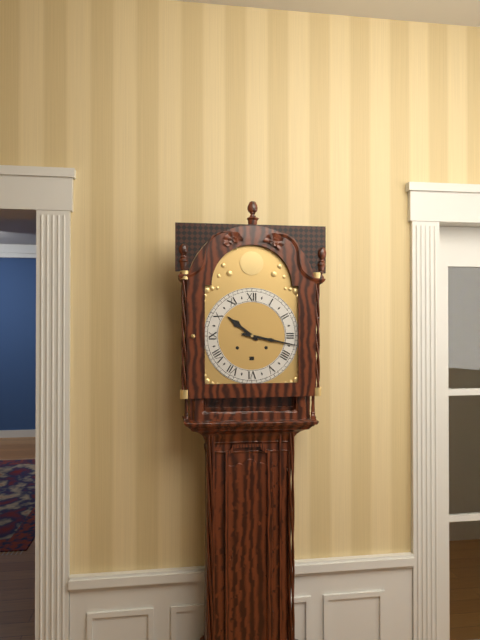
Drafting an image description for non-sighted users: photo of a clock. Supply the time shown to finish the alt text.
10:17
